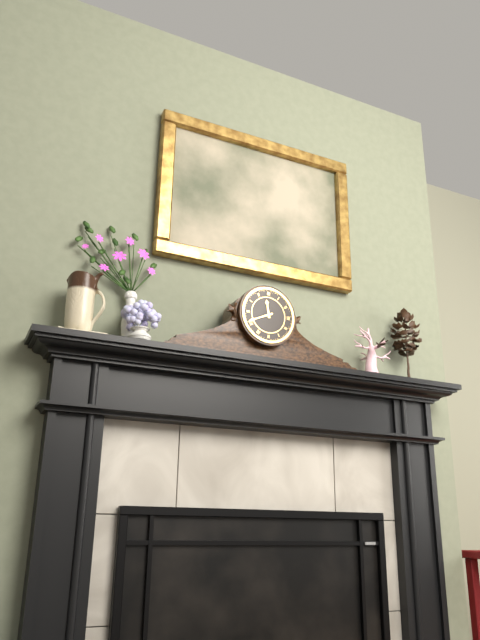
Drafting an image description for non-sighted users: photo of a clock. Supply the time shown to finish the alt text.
11:41
